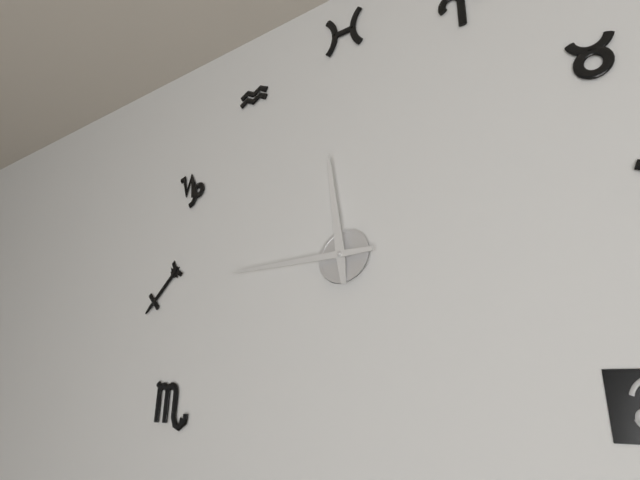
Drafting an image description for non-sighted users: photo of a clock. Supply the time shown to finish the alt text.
11:45
